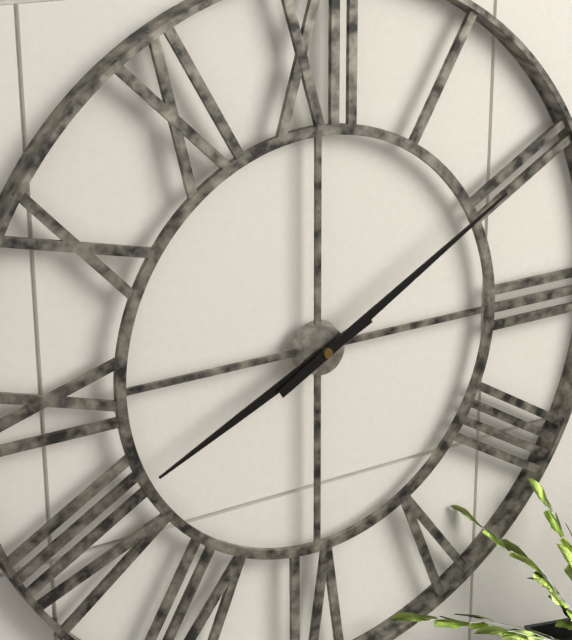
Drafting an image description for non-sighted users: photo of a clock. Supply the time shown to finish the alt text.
8:10
